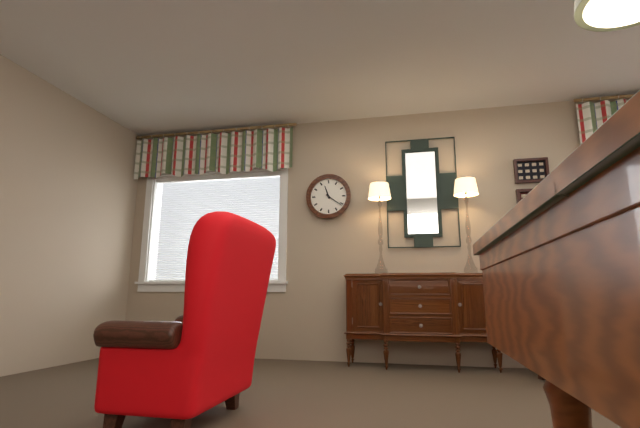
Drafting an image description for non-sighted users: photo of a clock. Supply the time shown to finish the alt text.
11:21
